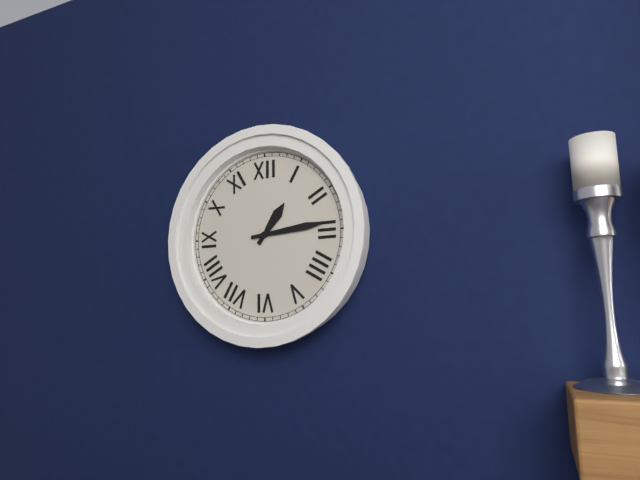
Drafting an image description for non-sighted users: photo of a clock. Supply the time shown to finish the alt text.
1:14
